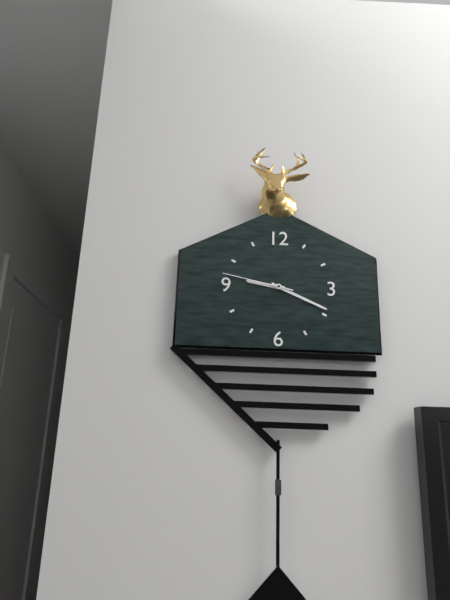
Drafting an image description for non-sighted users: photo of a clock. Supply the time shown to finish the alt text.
9:19:47
